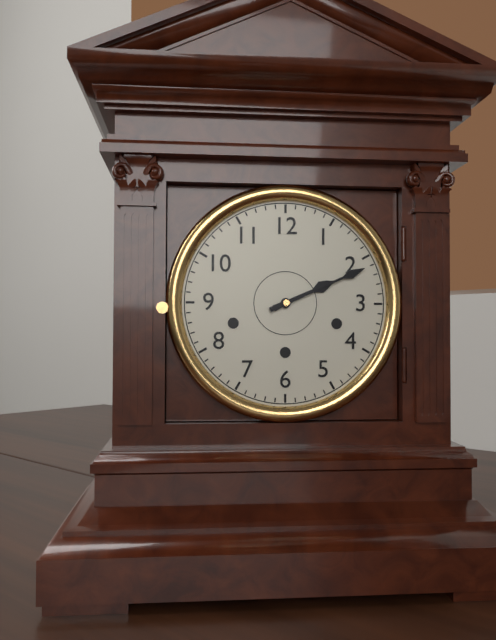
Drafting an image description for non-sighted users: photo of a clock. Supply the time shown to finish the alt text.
2:11
